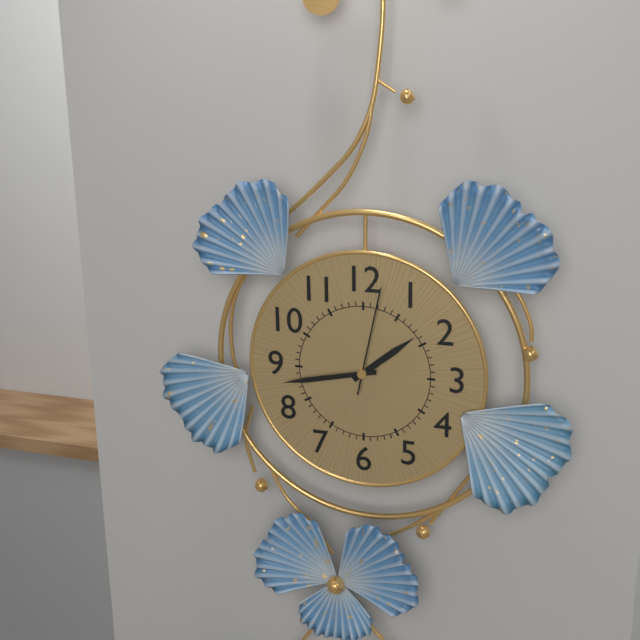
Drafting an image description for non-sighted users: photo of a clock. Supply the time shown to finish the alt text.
1:43:02
